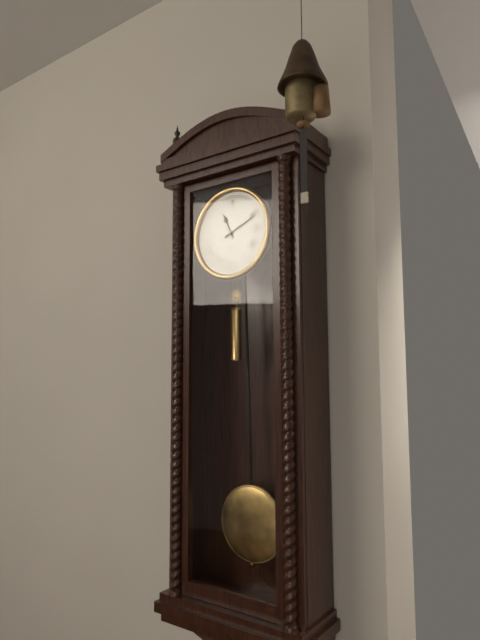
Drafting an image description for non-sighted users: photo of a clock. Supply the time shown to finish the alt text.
11:11
